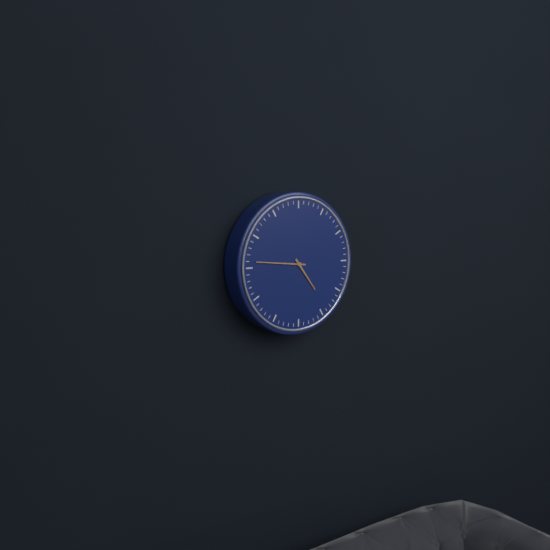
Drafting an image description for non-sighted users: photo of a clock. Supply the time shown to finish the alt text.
4:46
